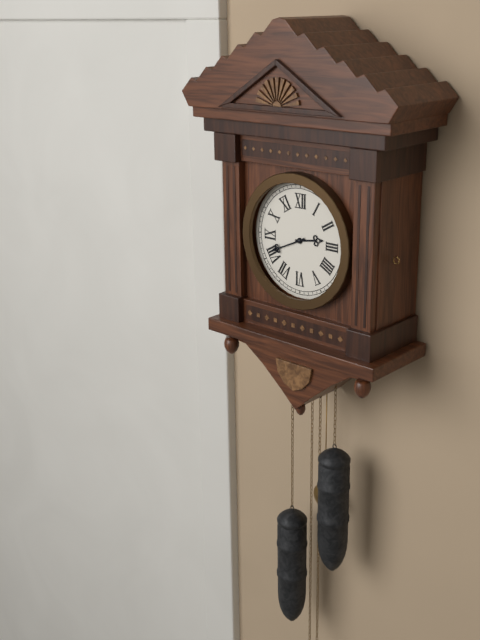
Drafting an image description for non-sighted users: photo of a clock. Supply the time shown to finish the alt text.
2:41
